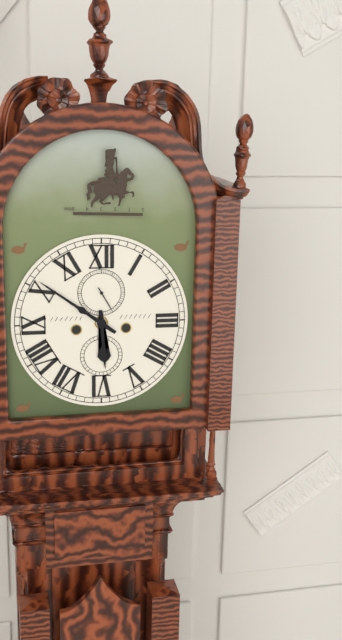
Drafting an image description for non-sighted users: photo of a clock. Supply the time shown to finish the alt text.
5:51
